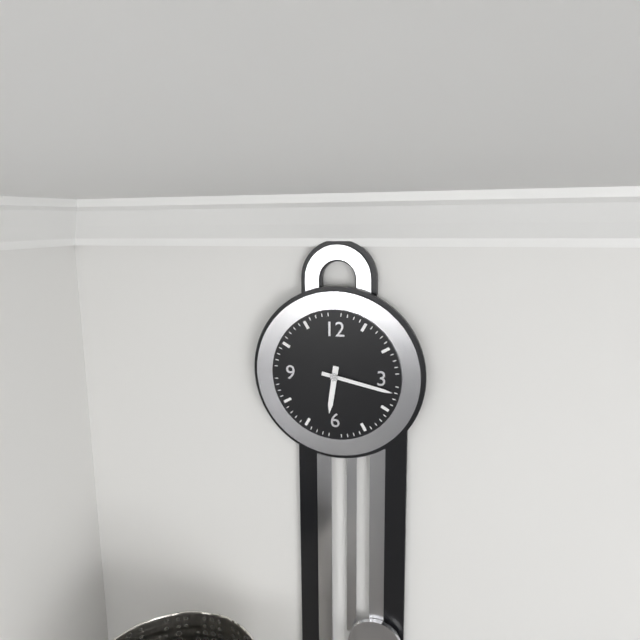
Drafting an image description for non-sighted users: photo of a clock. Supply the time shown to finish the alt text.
6:17
